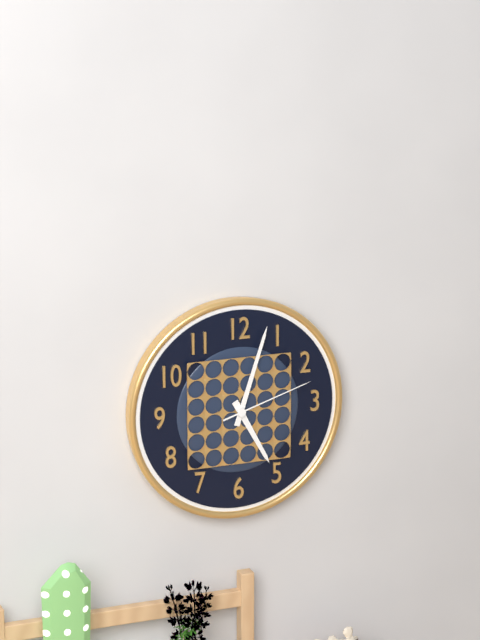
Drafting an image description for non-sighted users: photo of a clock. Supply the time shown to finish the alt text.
5:03:12
